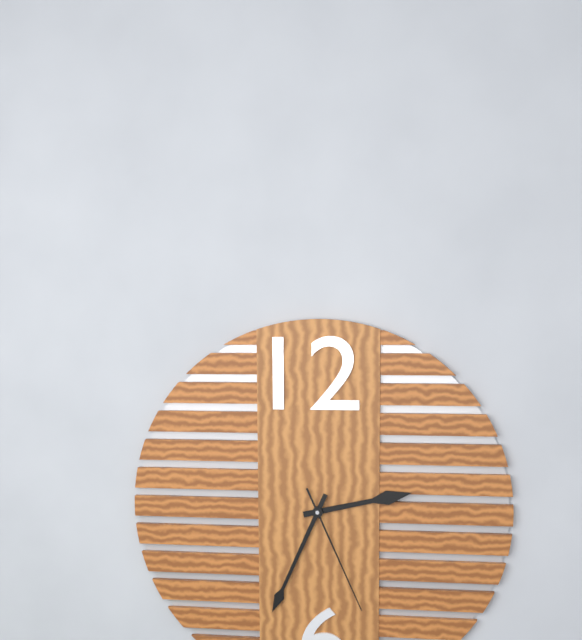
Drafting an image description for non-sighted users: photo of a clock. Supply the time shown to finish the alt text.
2:34:26
